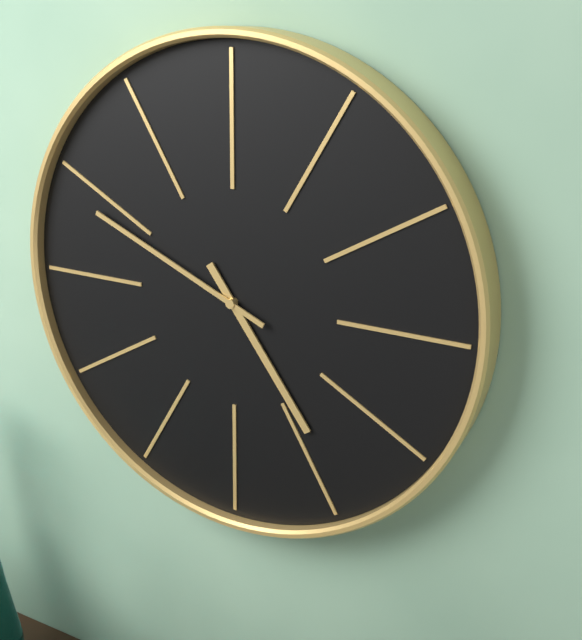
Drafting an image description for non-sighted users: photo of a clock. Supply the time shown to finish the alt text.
4:49
